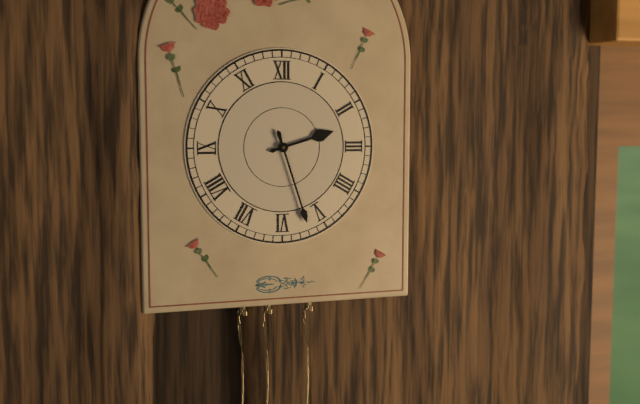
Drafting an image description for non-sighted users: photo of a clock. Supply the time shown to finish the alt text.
2:27
